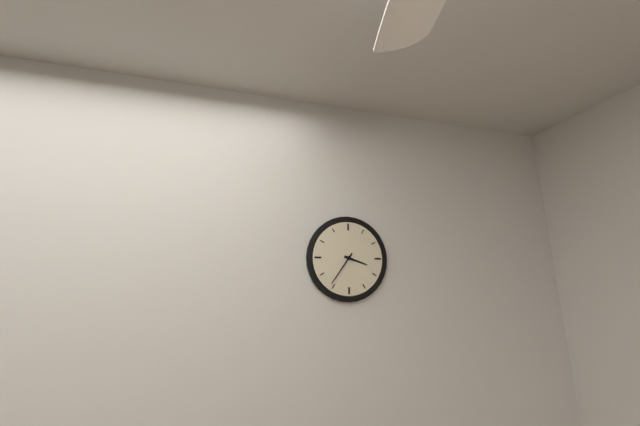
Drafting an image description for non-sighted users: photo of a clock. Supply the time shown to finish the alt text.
3:36
